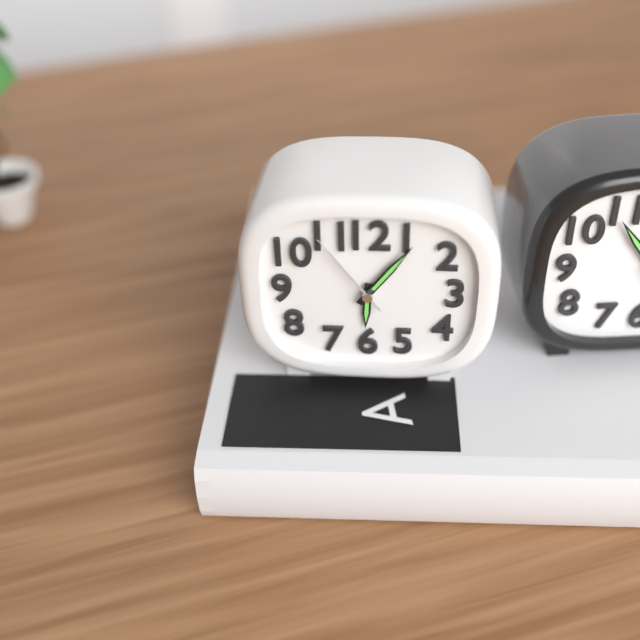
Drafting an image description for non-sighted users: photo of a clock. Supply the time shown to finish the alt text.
6:06:54
